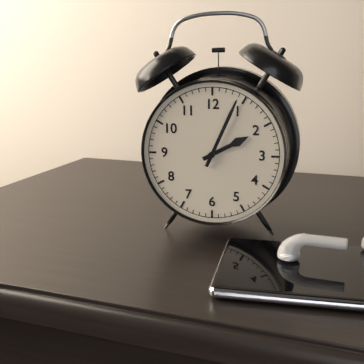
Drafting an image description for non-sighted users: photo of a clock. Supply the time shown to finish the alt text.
2:04
